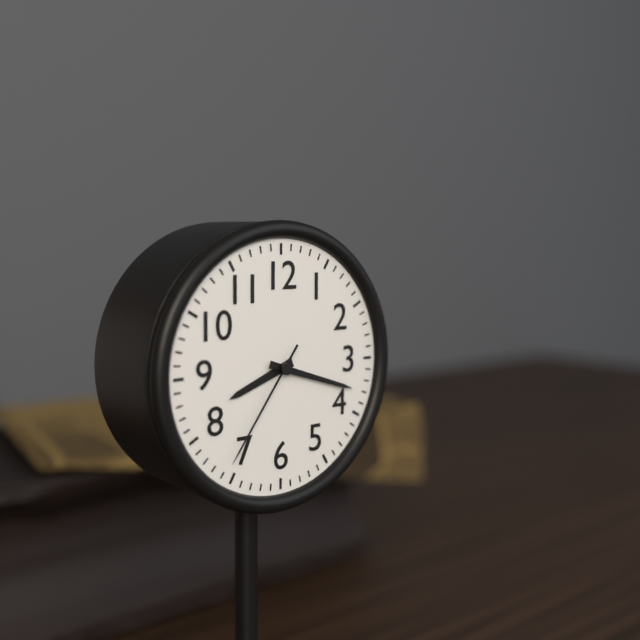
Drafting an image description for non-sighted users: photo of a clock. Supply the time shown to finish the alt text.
8:18:36
